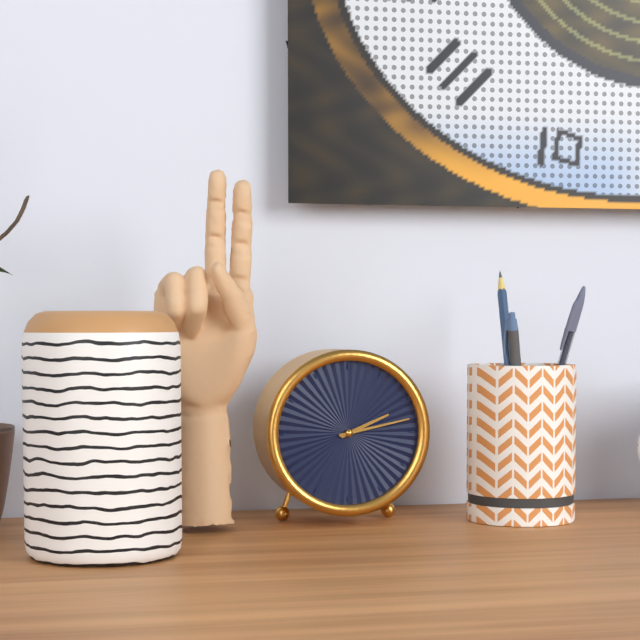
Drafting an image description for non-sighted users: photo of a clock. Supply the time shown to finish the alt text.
2:13
